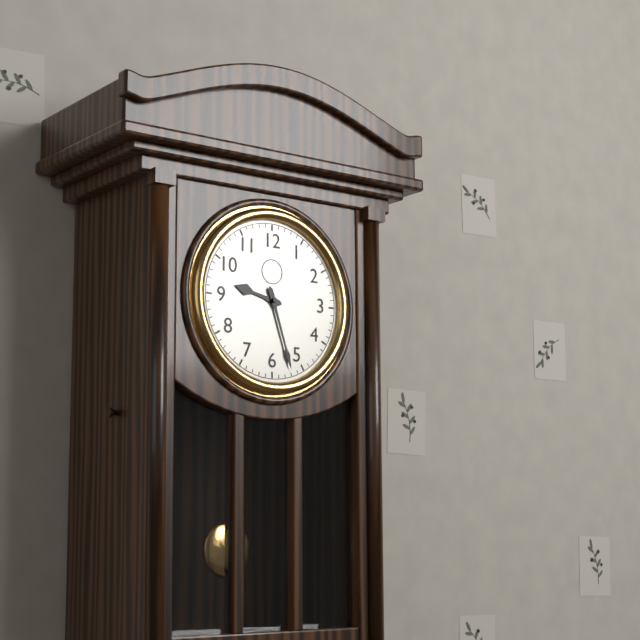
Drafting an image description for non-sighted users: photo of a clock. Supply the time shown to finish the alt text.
9:27
